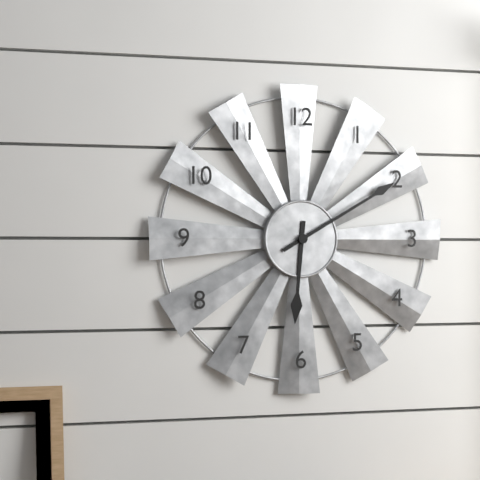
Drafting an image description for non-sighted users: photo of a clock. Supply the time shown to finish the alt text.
6:10
